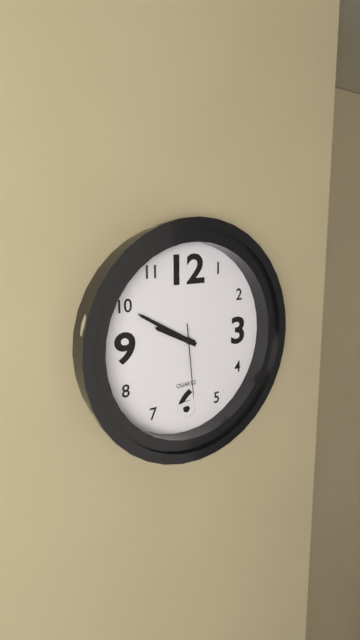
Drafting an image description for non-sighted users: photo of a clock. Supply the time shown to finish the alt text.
9:50:29
